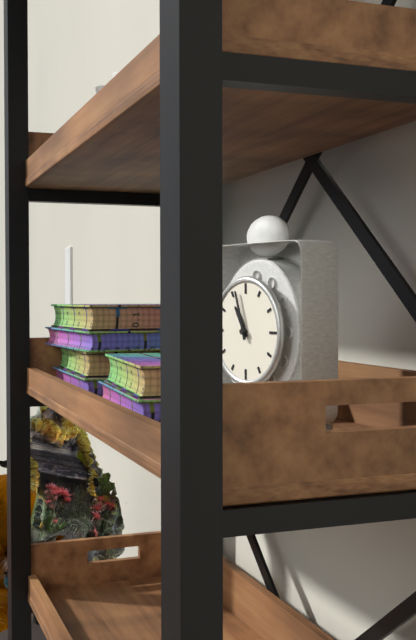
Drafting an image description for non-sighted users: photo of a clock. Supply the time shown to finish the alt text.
10:57
